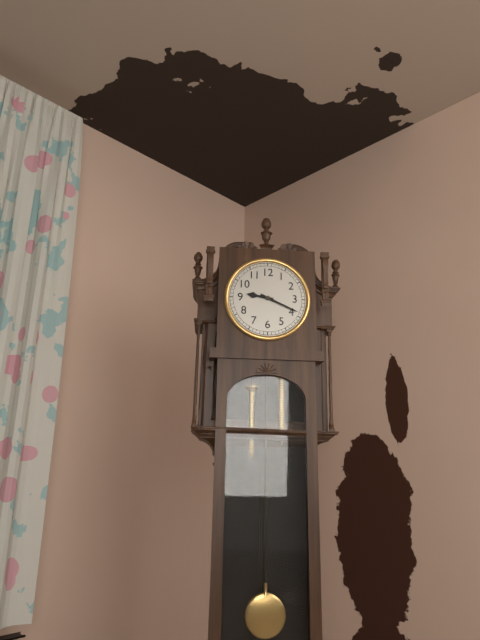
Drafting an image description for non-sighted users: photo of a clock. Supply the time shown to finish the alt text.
9:19
